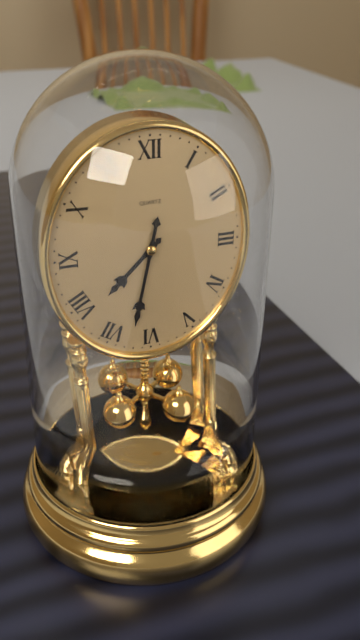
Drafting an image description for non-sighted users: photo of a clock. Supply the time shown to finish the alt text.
7:32
